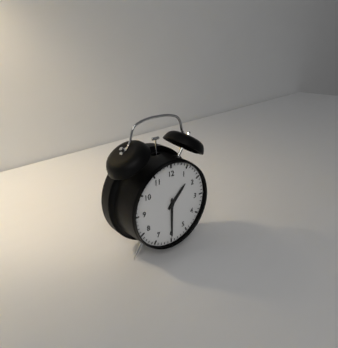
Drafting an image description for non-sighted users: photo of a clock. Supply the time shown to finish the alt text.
1:30
